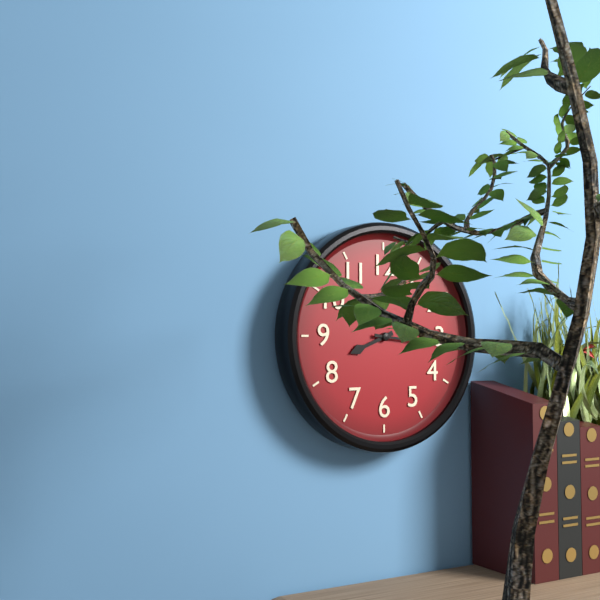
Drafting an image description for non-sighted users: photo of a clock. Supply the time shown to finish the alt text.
8:16
